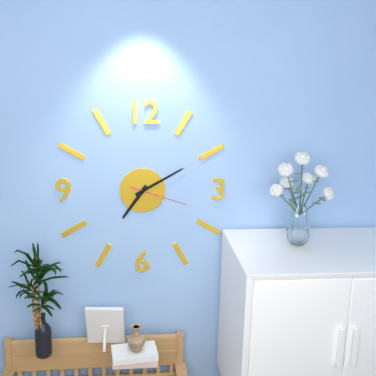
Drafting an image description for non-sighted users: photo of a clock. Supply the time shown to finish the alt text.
7:10:18
